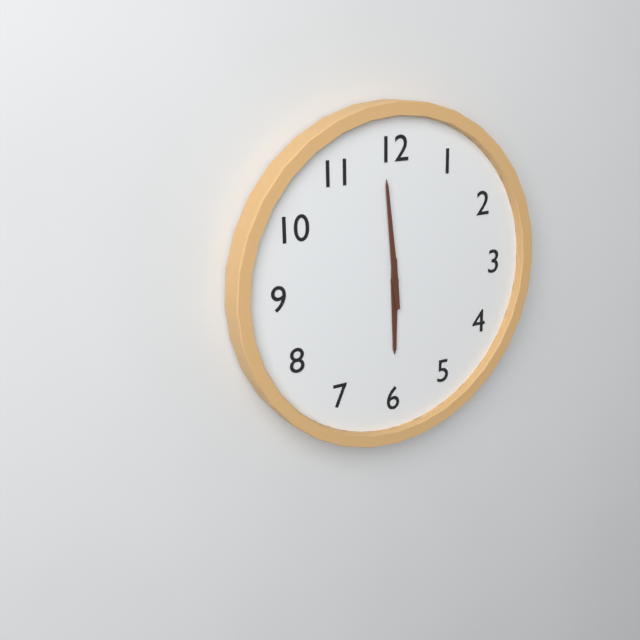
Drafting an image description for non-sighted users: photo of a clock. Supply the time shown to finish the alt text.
5:59
